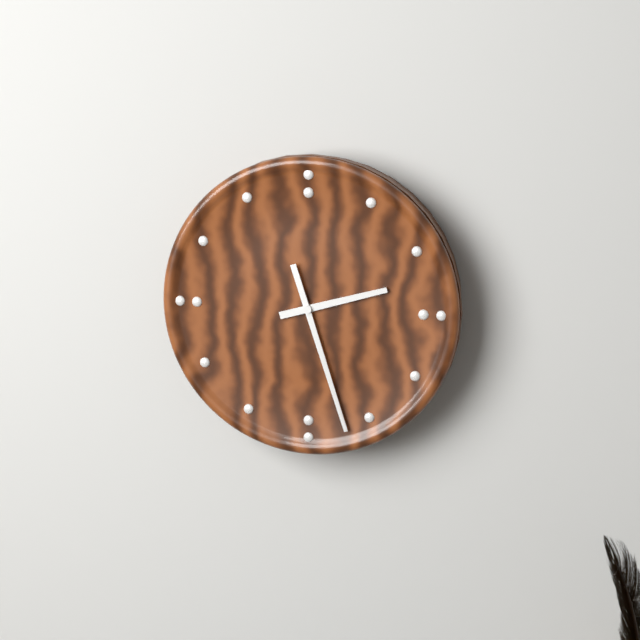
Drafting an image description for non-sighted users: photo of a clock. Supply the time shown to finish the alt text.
2:27
